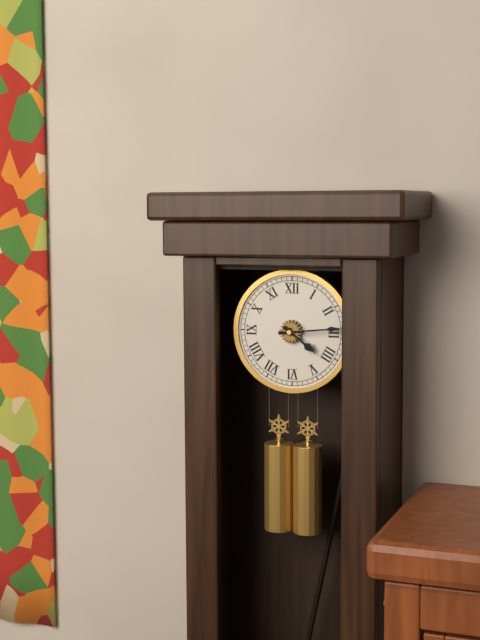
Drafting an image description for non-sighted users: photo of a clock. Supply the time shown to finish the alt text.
4:14
